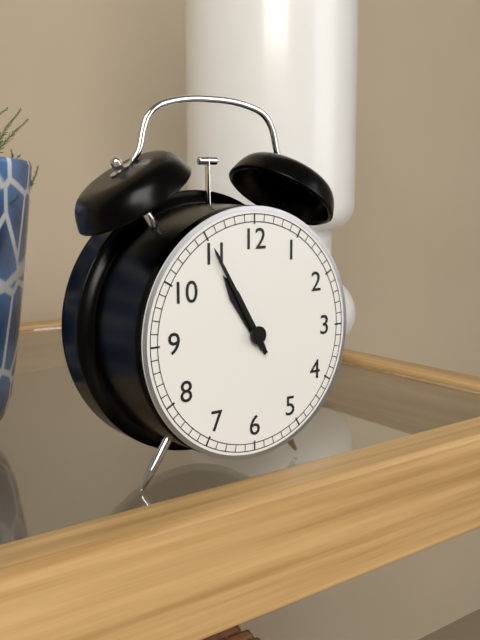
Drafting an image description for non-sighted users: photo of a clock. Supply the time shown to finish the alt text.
10:55
